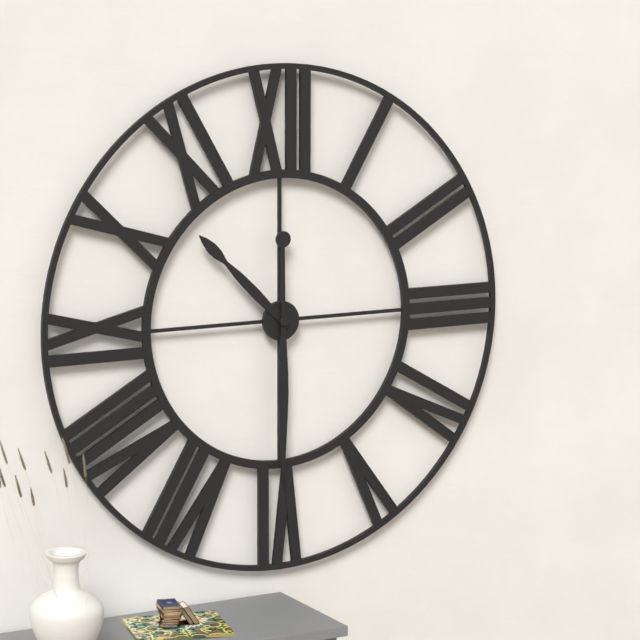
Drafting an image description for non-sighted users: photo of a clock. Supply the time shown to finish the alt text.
10:30
